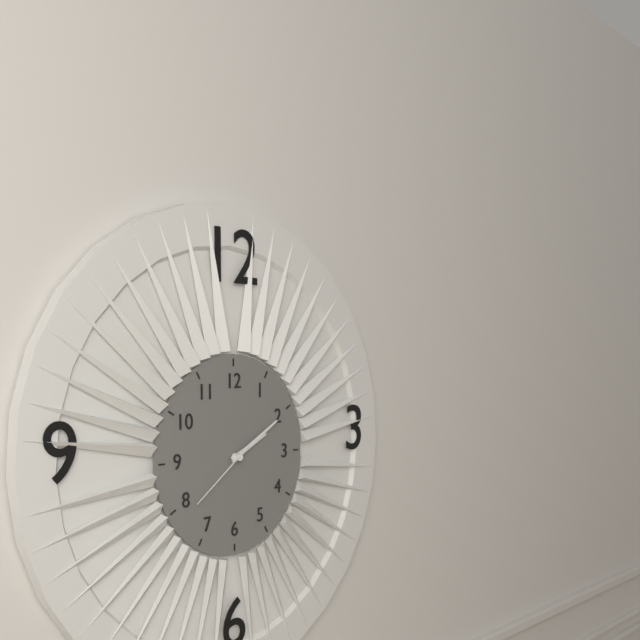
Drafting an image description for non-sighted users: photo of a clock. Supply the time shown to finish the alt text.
2:10:39
